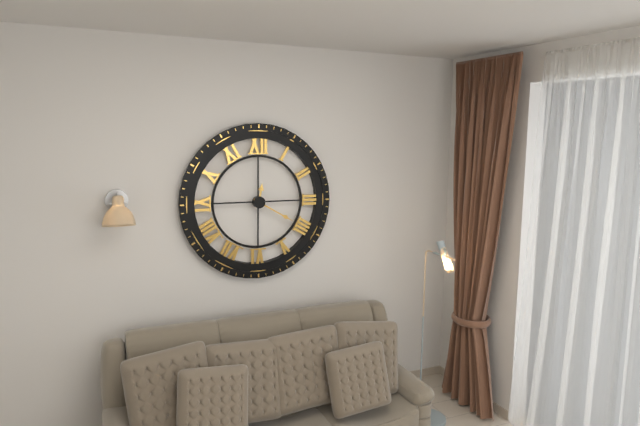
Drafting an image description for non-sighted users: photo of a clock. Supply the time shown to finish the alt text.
12:20
